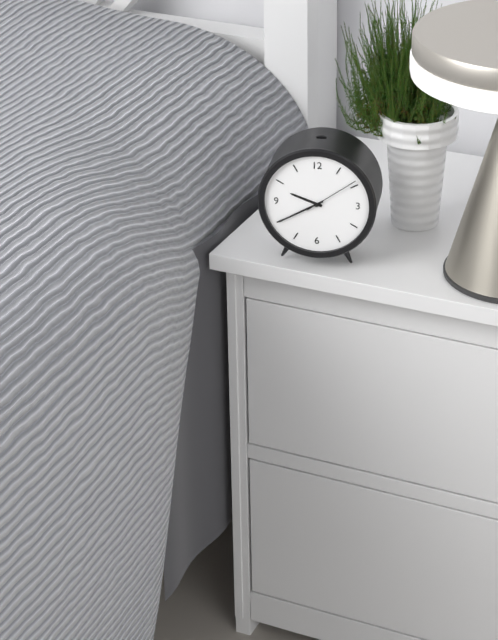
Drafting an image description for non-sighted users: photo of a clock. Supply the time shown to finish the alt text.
9:40:09
